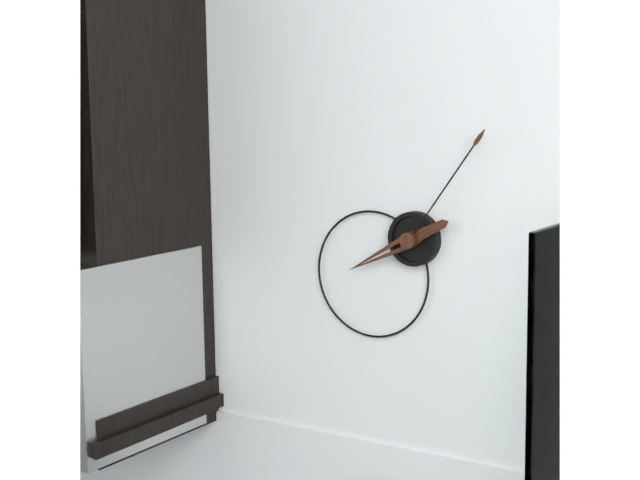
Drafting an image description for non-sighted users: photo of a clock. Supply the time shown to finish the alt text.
8:06
